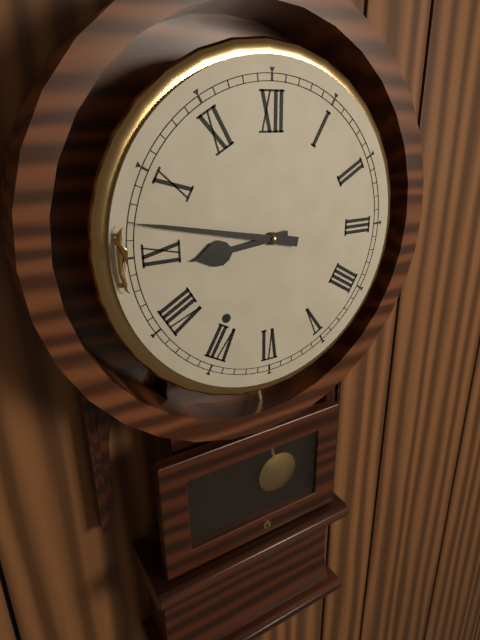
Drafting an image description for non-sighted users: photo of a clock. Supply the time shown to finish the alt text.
8:47
